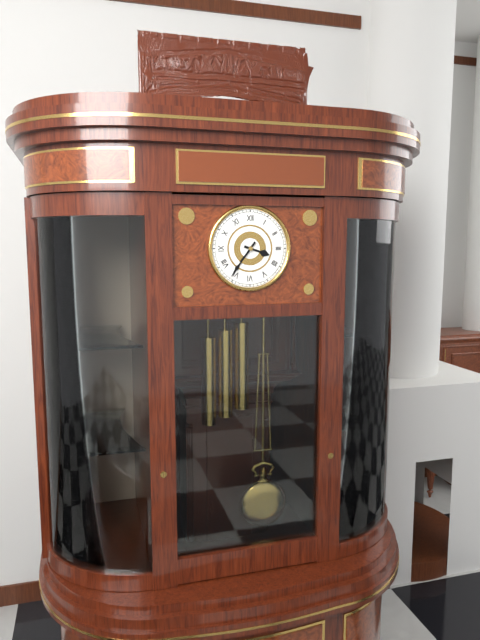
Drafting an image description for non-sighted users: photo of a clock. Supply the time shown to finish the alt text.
3:36
